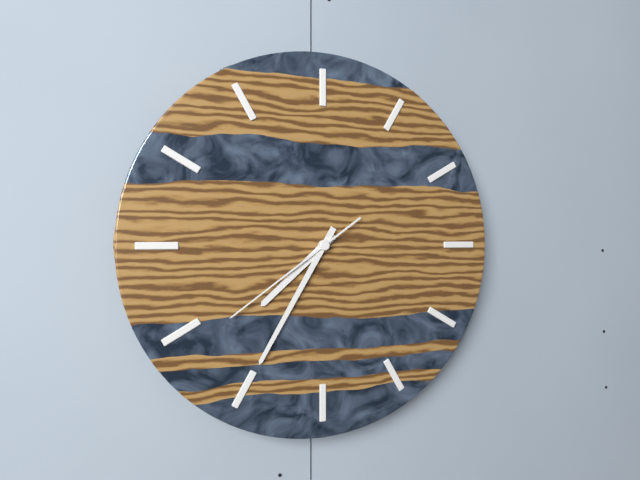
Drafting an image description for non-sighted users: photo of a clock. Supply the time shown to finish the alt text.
7:35:39
